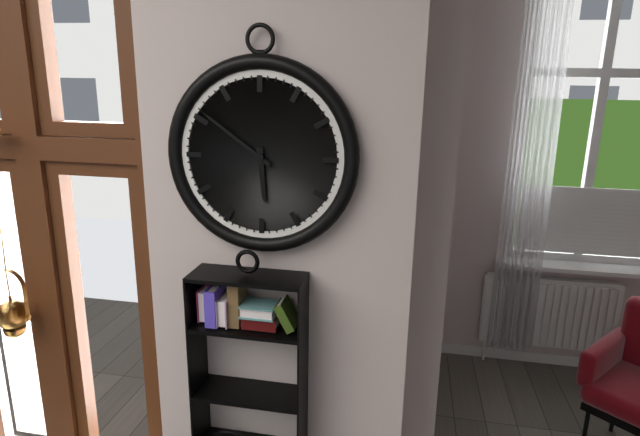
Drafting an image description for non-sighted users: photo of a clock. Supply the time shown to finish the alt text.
5:51
